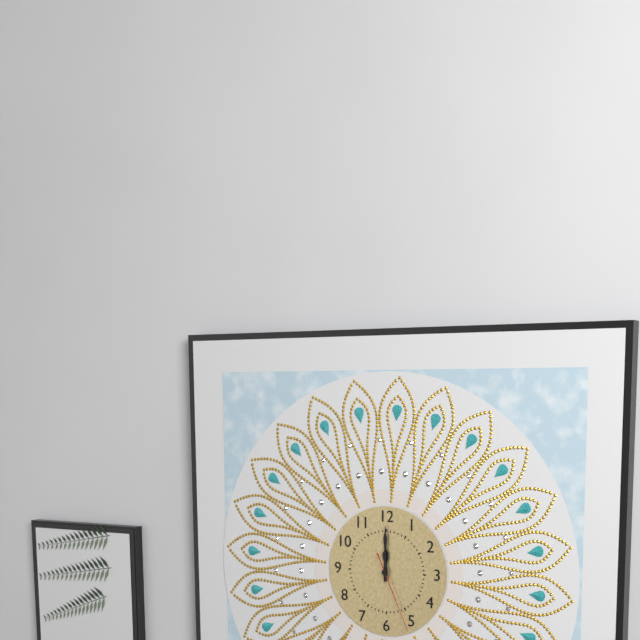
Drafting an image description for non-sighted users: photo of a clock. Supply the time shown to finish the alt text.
12:00:26
